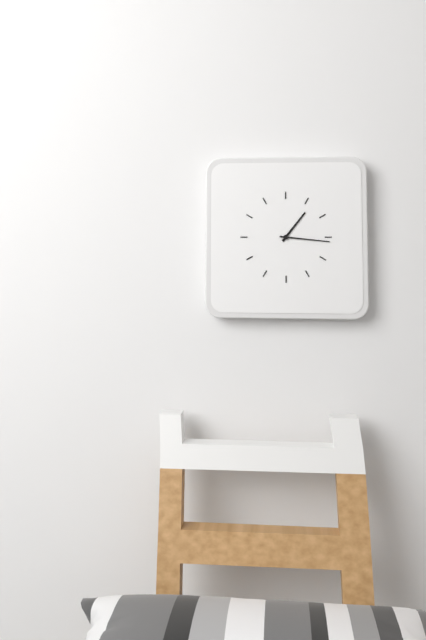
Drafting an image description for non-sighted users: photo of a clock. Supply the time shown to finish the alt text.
1:16
